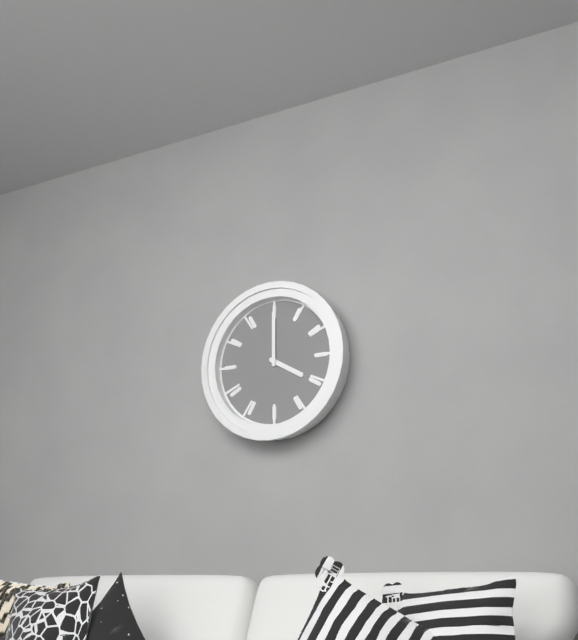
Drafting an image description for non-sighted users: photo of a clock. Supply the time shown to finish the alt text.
4:00
